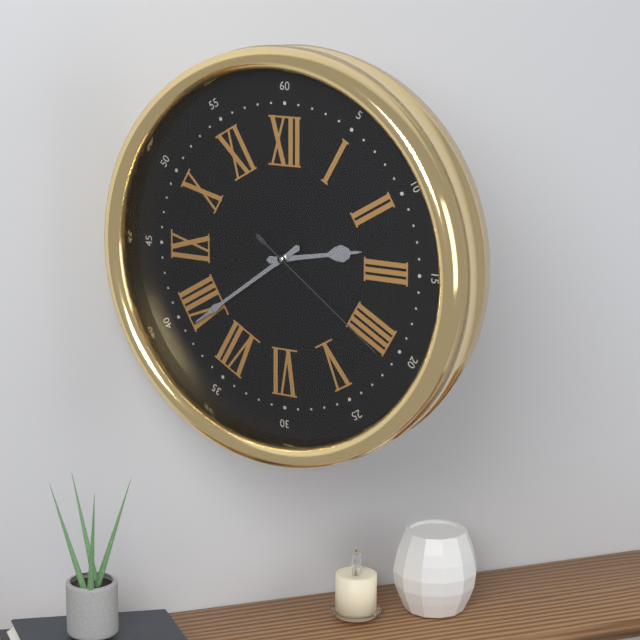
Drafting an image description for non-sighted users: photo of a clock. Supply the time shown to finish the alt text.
2:39:21
